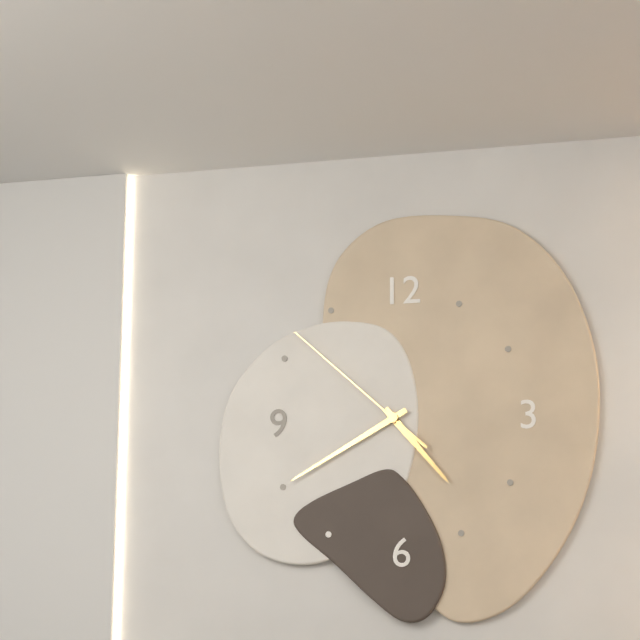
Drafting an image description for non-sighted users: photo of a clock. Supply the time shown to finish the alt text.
4:40:52
